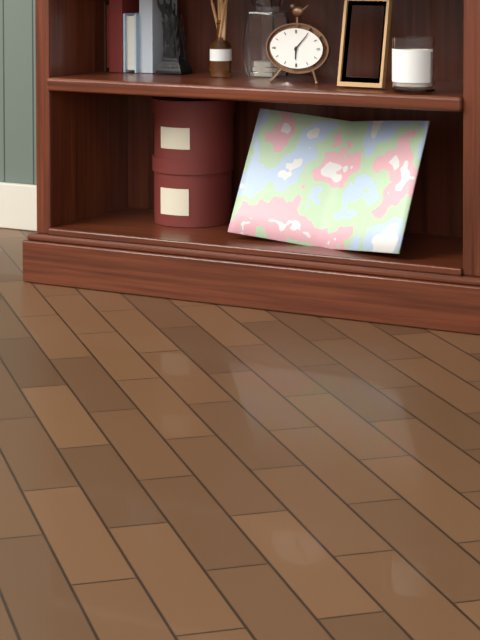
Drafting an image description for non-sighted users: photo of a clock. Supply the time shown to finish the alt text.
6:07
